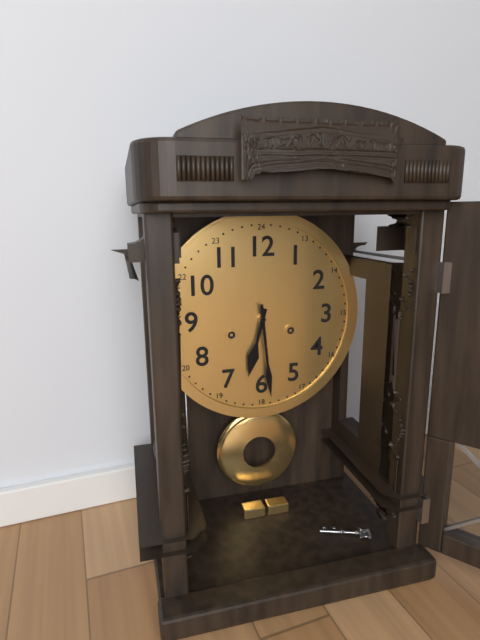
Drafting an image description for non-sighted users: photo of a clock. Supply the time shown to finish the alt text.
6:29
